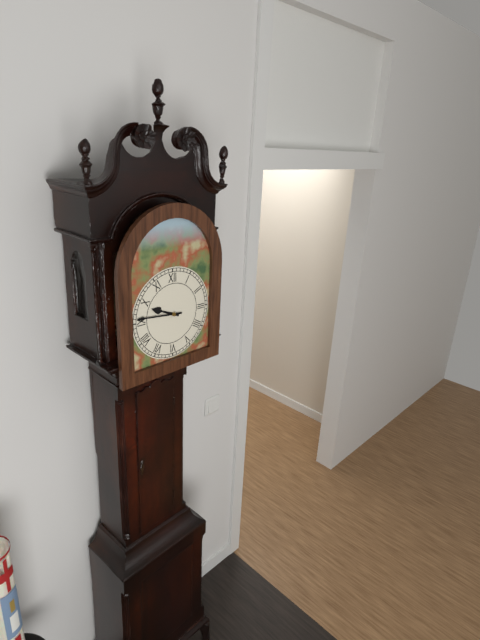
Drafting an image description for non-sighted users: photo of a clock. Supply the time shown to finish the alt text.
9:46
